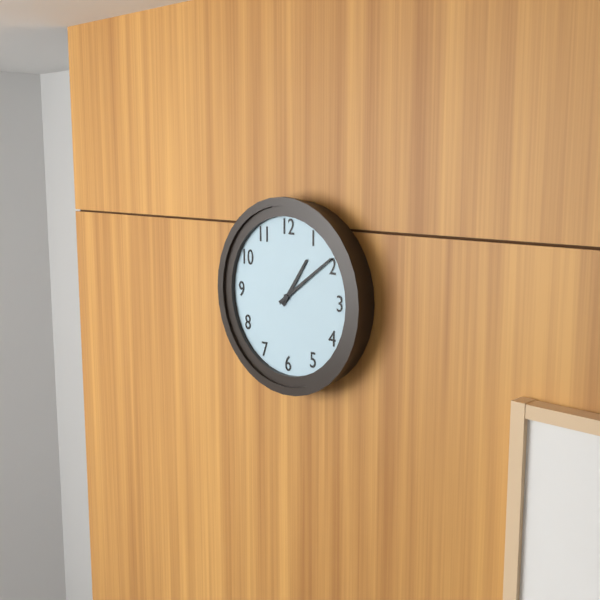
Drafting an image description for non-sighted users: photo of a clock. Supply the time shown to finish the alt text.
1:09
